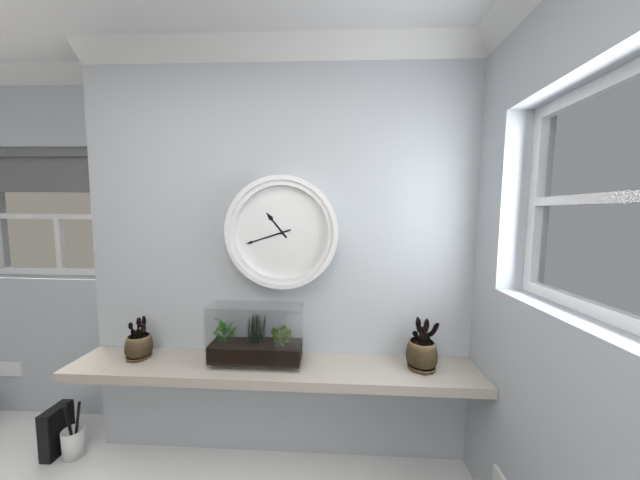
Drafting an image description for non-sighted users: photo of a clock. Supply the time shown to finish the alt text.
10:42
